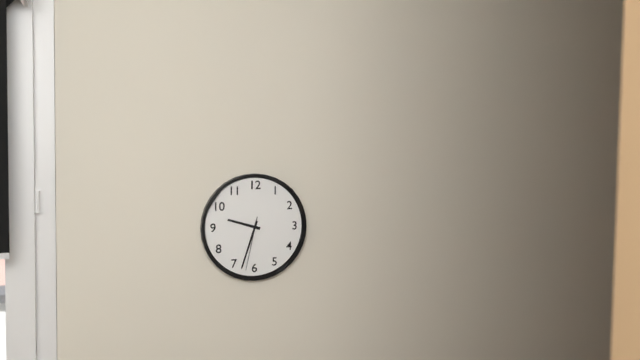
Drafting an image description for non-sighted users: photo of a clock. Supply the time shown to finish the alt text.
9:33:32
